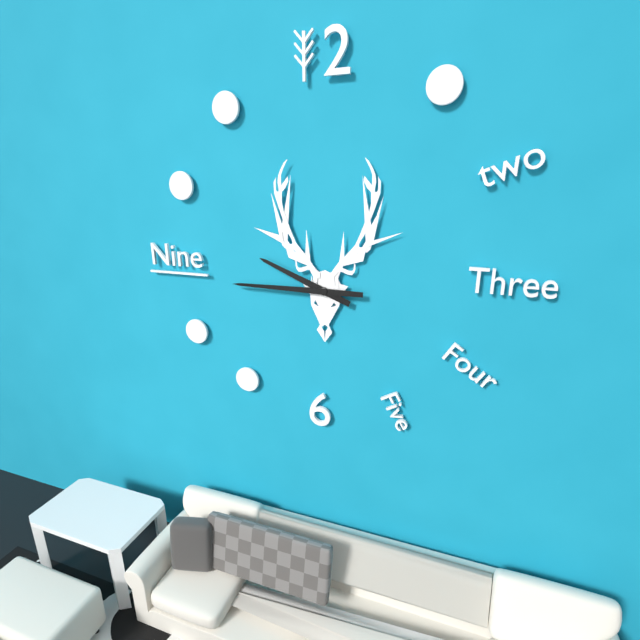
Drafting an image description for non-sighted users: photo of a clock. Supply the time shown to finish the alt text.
9:45
